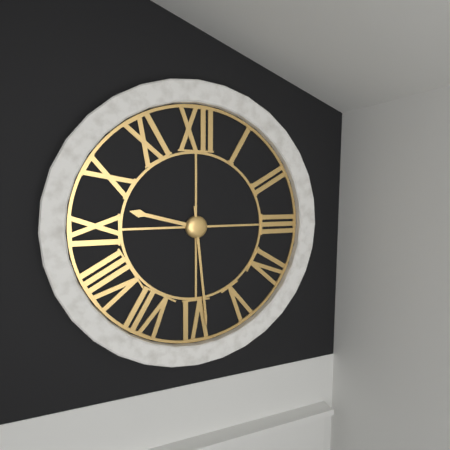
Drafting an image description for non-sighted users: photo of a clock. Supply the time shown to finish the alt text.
9:29
